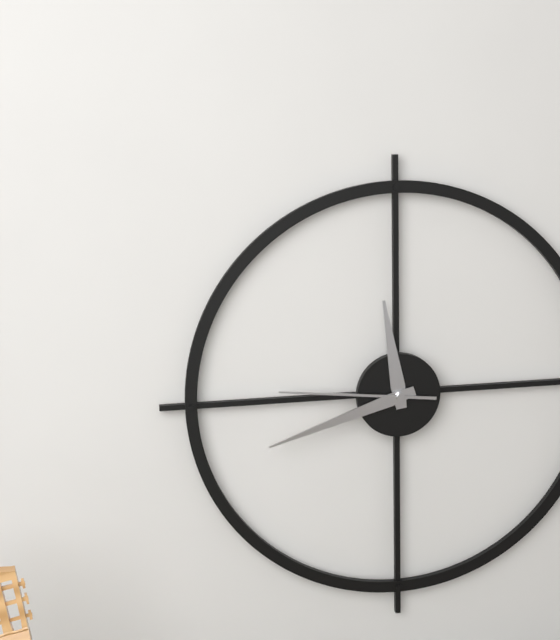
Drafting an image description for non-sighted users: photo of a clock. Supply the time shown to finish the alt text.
11:42:46
